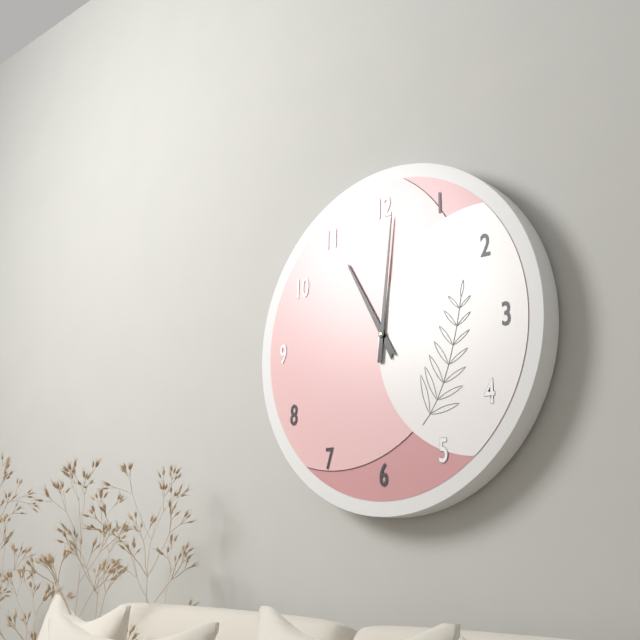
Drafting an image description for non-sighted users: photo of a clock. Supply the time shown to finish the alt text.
11:01
